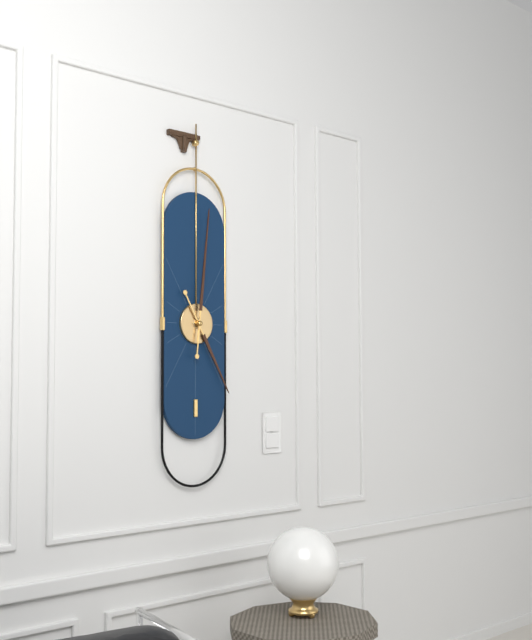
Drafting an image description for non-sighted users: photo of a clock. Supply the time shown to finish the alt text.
5:01
